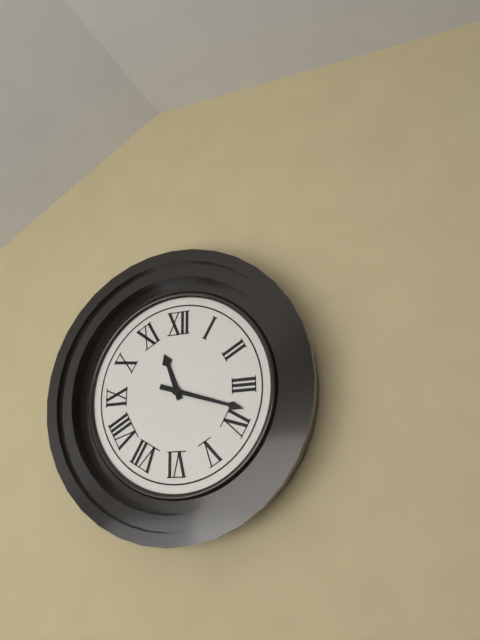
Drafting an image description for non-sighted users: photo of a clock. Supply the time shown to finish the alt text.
11:18
